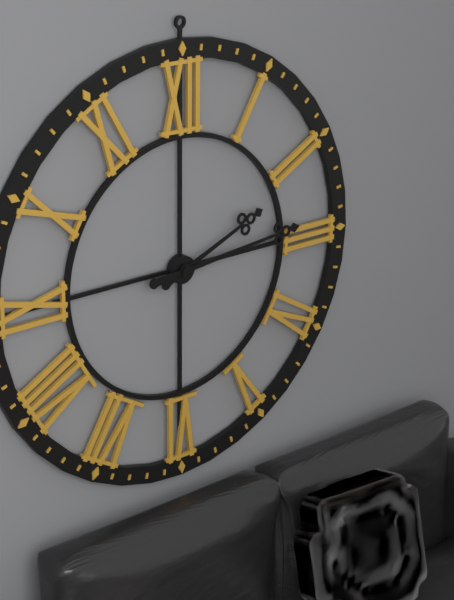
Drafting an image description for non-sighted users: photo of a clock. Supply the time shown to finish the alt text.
2:14
